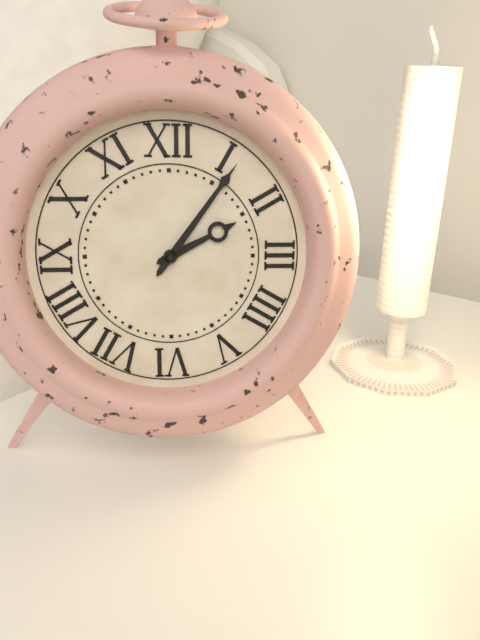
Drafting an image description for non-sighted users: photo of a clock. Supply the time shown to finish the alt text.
2:06
